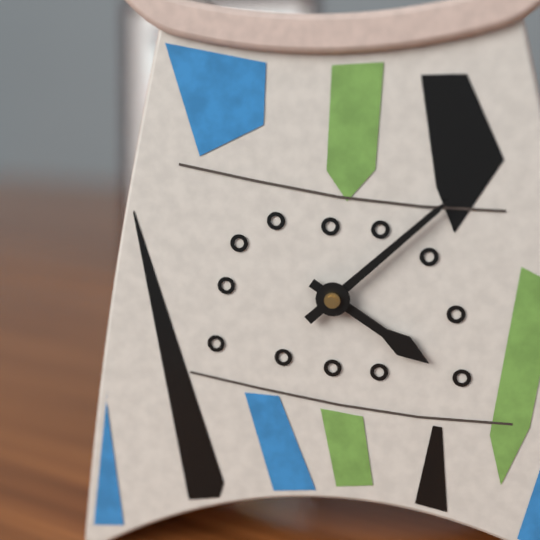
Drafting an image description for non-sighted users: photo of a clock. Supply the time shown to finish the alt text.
4:08
